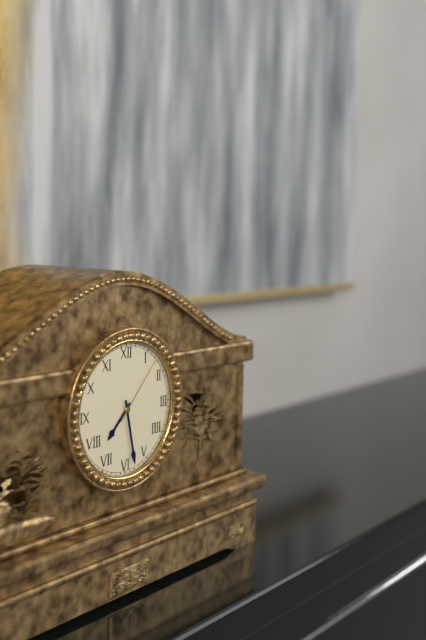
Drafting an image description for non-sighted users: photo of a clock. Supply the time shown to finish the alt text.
7:28:07
